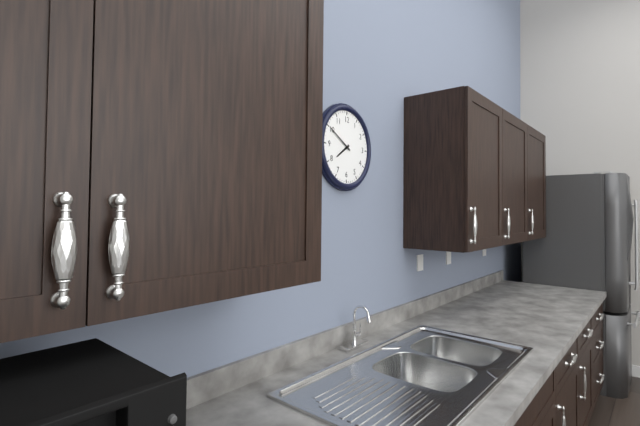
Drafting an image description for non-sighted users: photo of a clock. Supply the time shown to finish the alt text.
7:50
